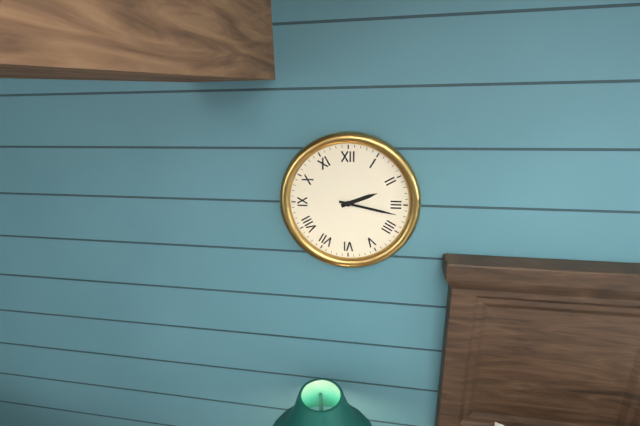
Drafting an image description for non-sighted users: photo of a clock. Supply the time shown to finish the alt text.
2:17
